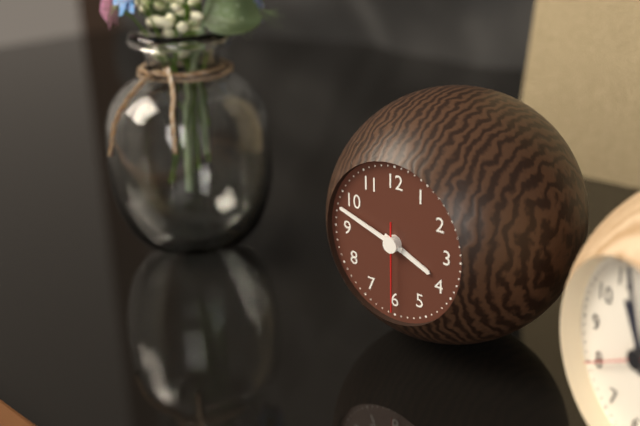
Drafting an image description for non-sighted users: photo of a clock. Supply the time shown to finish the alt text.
3:48:30
